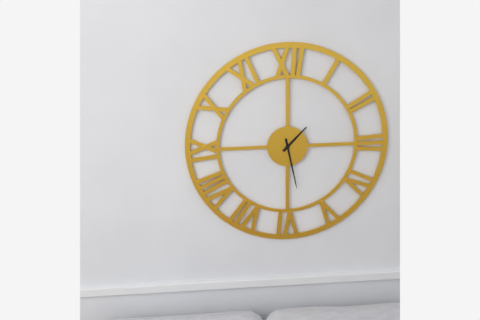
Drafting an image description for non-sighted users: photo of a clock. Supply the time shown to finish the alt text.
1:28
